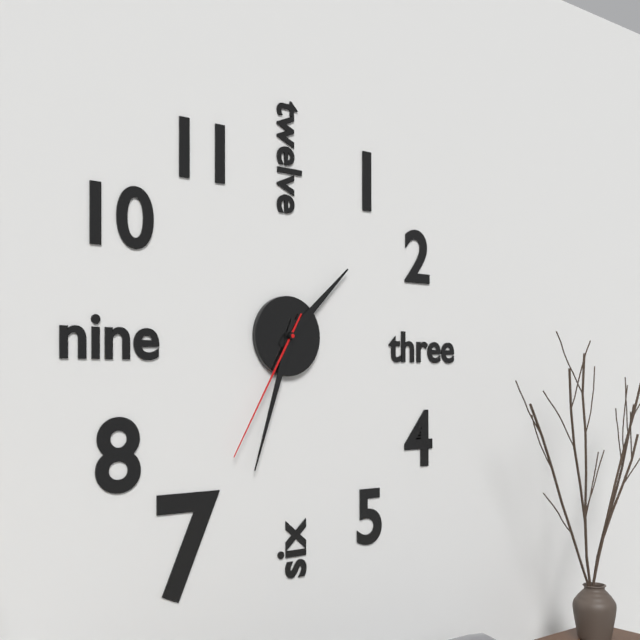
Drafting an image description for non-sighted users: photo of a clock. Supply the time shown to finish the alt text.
1:33:35
